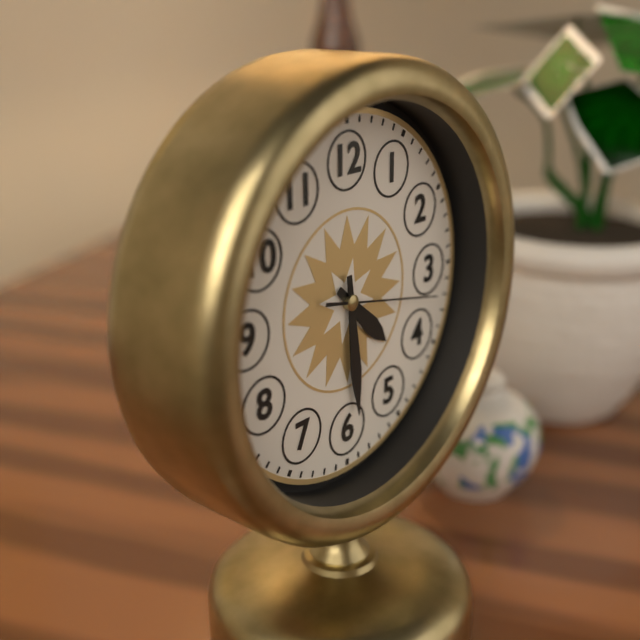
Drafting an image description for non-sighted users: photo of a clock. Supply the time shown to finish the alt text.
4:29:17
